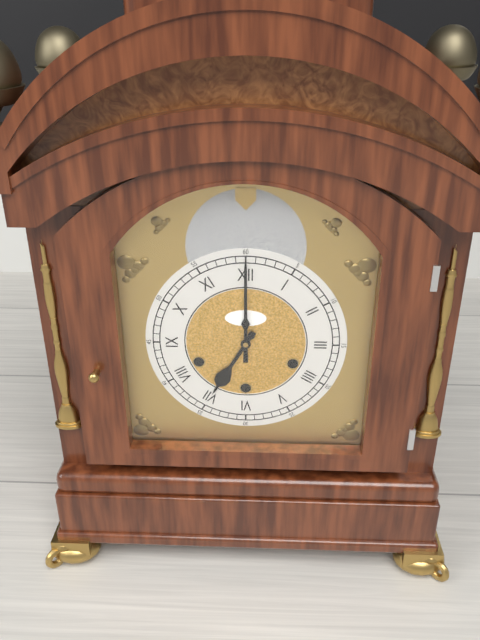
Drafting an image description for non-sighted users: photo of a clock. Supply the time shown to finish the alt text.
7:00
